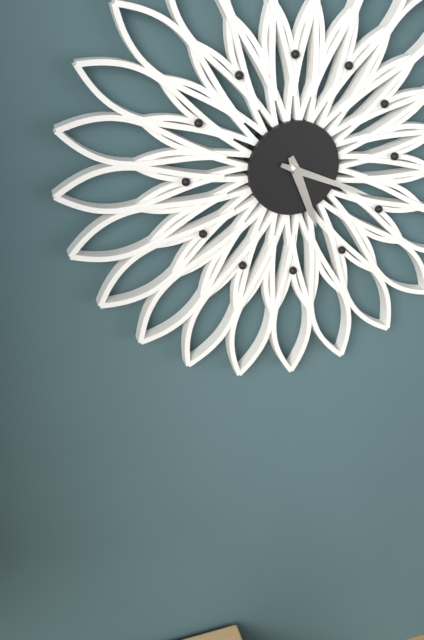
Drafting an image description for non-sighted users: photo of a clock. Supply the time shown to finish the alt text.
5:19
